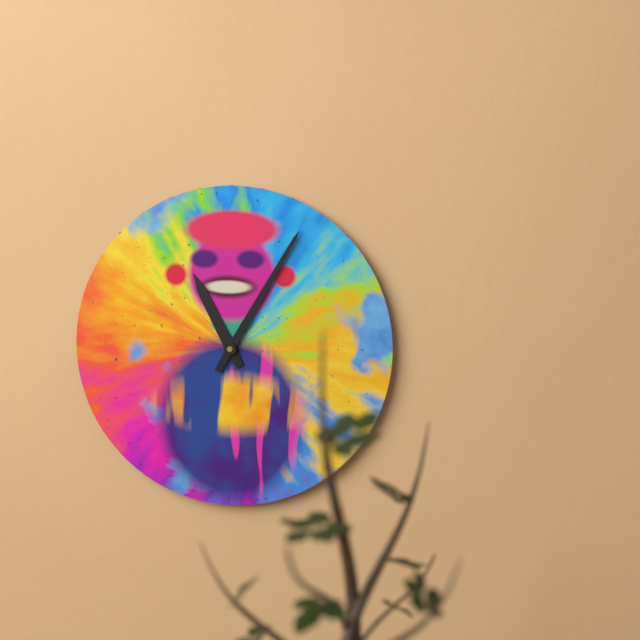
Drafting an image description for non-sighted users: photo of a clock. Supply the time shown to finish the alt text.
11:05
